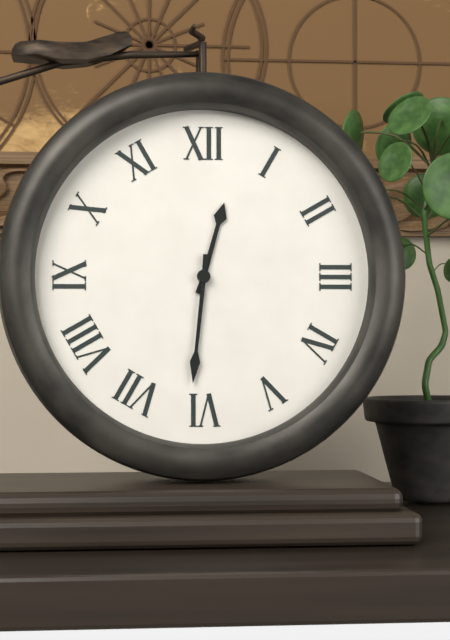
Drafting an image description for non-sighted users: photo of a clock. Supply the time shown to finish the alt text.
12:31
